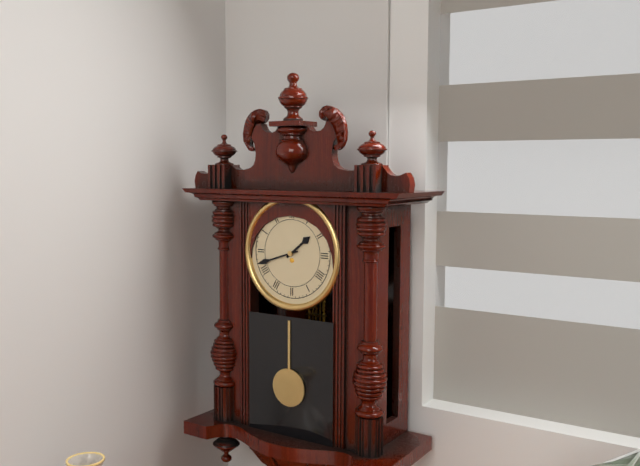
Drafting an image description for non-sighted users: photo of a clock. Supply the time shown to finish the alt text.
1:42
